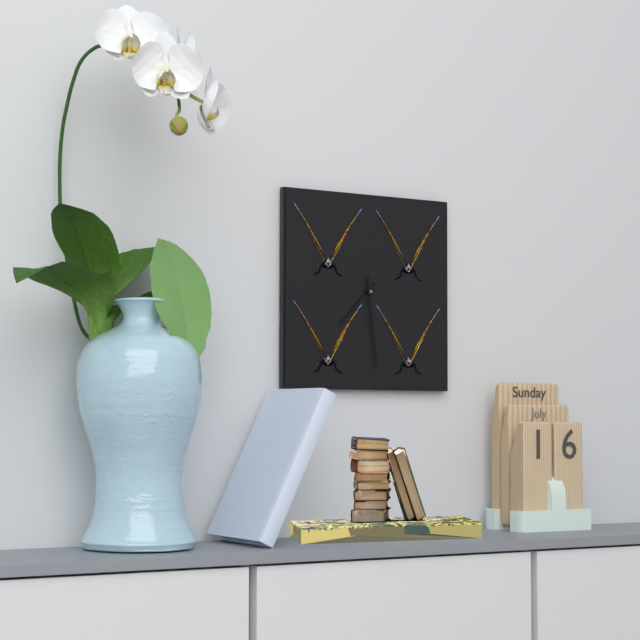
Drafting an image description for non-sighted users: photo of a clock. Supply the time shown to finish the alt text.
7:29
